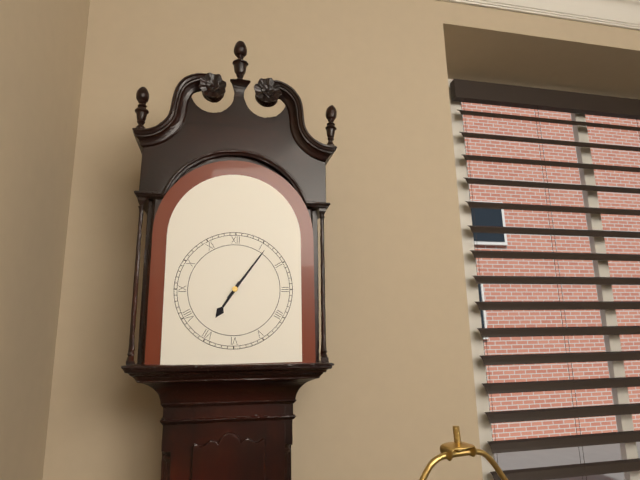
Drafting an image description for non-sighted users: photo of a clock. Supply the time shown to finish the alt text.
7:06
